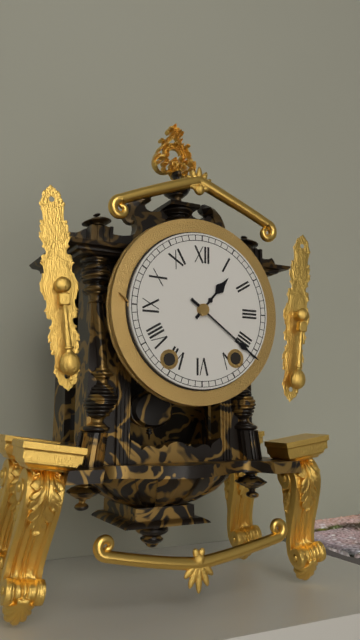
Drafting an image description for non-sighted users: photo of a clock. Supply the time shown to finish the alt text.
1:21
